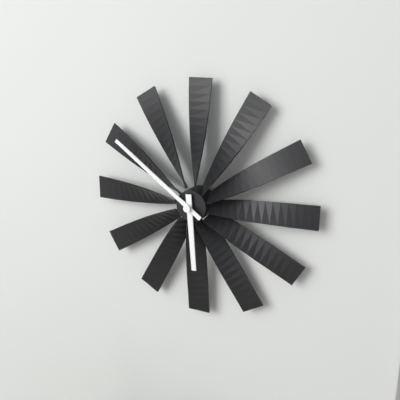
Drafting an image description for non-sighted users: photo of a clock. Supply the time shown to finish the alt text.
5:51
